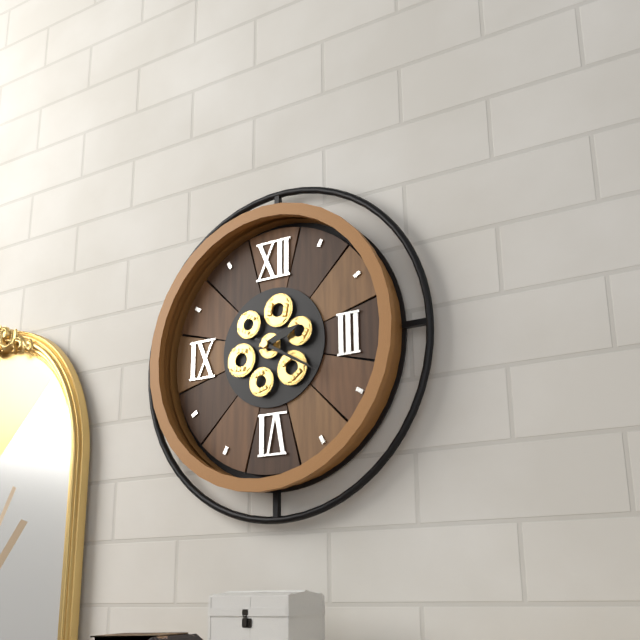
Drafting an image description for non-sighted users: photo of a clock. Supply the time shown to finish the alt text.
2:20
